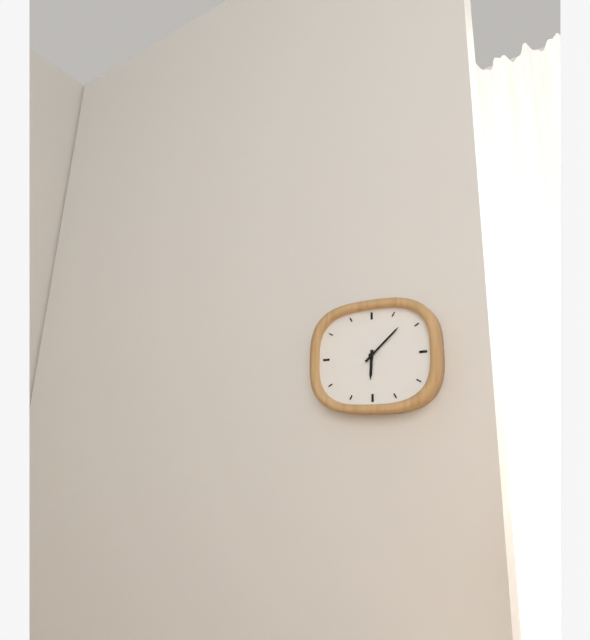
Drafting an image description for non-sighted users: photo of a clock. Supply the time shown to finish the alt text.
6:08
